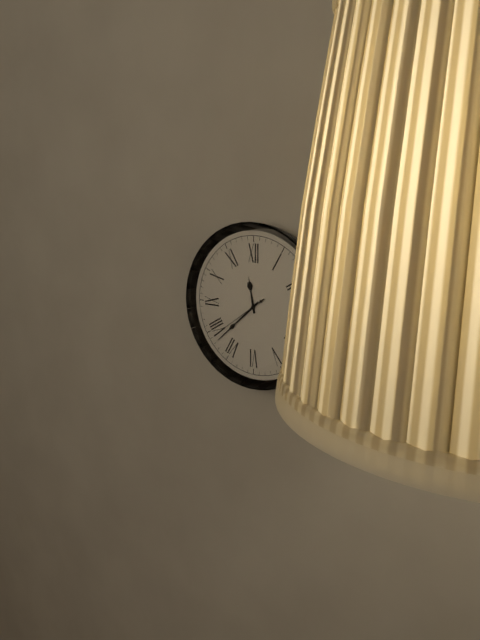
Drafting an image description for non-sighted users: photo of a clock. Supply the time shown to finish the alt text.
11:38:39
